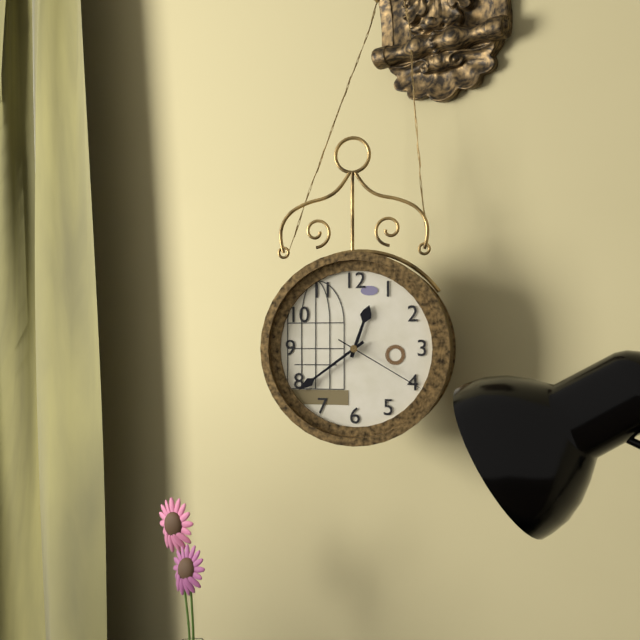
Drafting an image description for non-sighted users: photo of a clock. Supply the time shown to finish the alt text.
12:39:20
